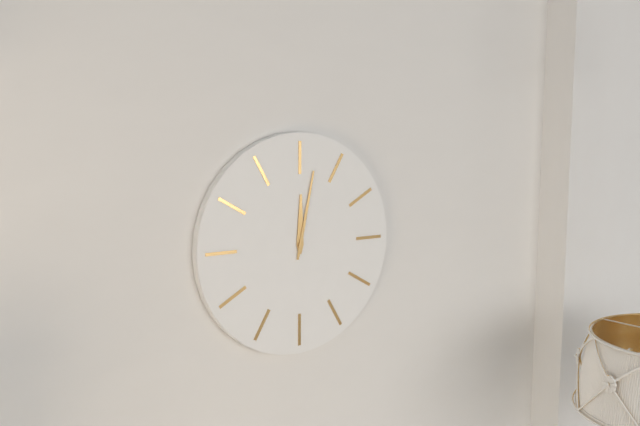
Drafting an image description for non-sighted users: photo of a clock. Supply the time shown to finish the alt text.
12:02
